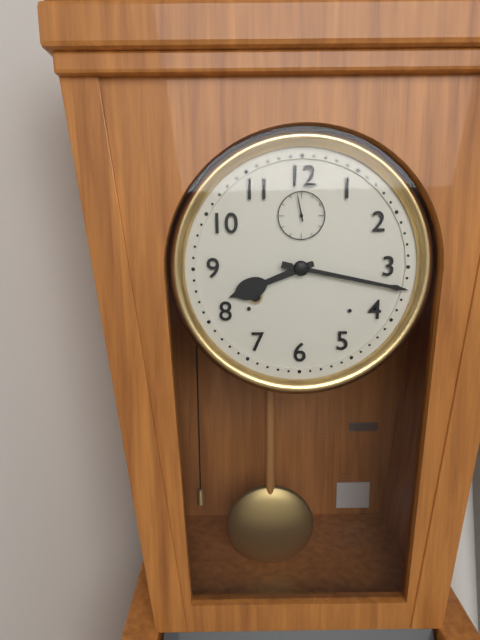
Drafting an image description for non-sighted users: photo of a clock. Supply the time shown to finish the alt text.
8:17
